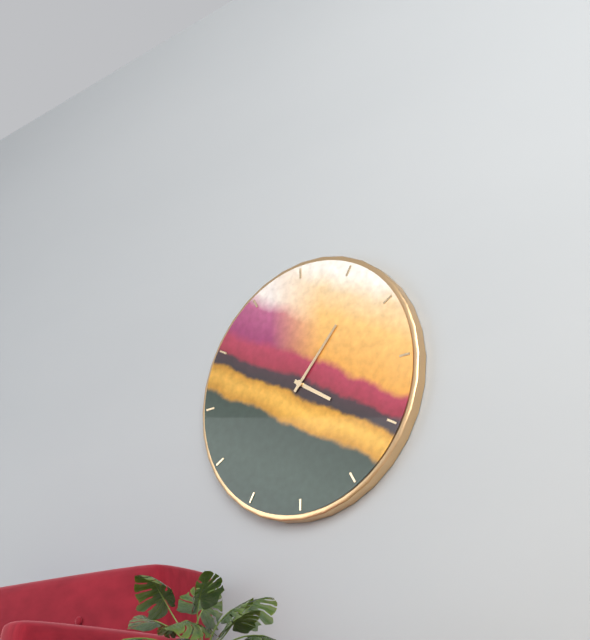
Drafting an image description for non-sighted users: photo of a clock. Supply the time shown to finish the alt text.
4:07
